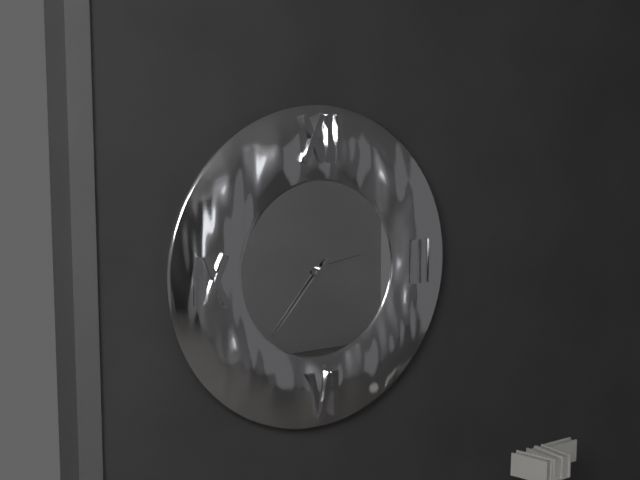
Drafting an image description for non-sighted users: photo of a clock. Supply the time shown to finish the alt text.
2:37
